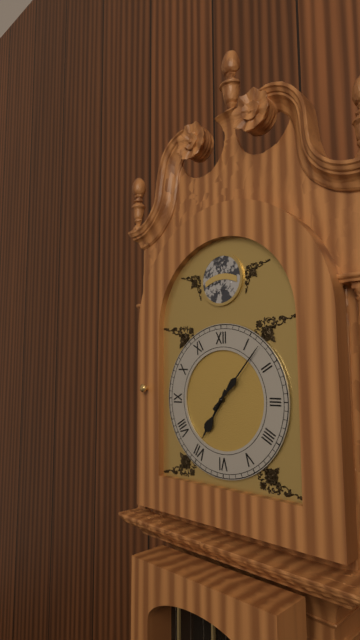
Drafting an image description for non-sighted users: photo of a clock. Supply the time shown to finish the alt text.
7:07
